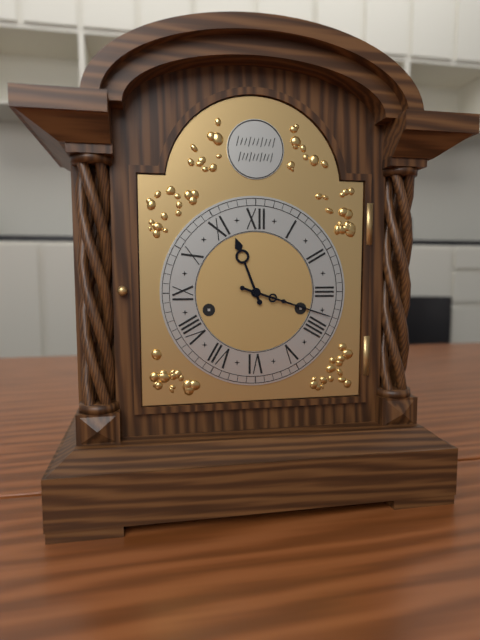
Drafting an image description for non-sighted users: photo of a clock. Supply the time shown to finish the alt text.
11:18
